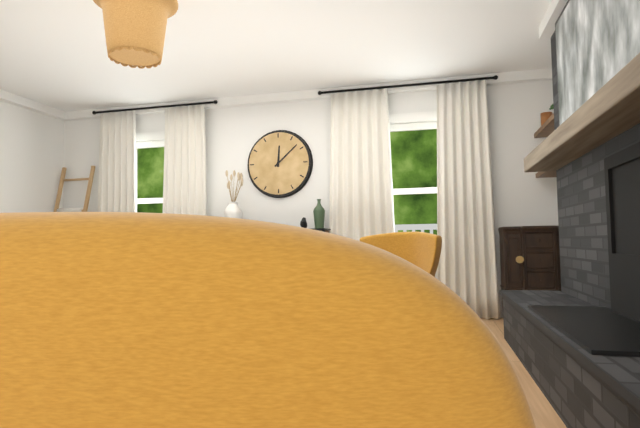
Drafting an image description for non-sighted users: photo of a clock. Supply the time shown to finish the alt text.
12:08
